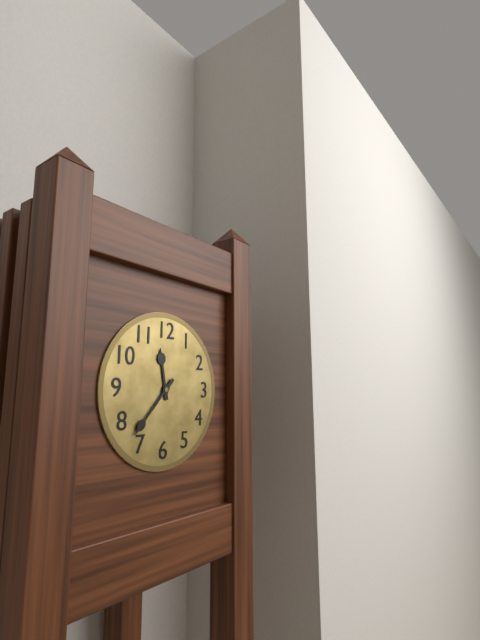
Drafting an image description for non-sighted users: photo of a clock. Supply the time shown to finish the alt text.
11:37
